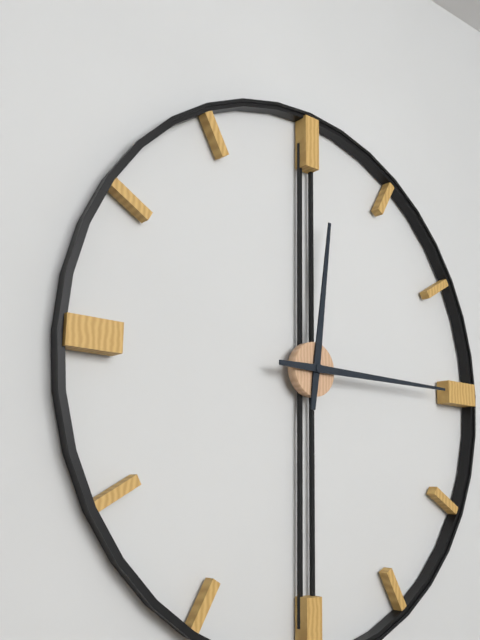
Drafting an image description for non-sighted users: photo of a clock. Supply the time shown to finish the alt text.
12:15
